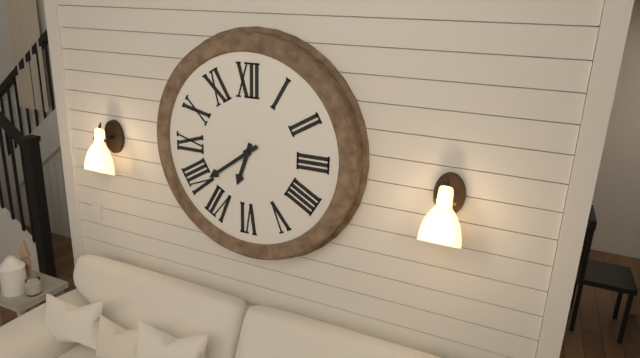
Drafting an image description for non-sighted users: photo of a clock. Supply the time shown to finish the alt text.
6:39
